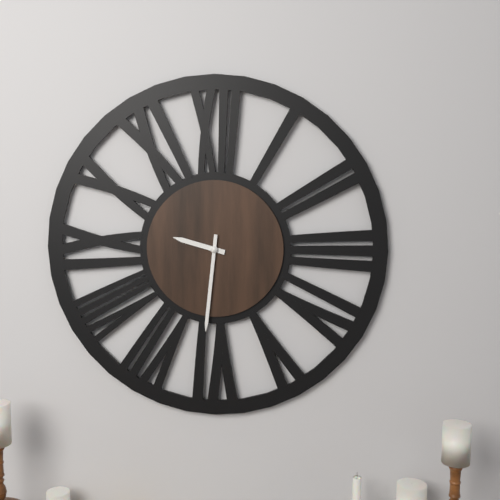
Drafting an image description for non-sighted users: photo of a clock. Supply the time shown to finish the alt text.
9:31
